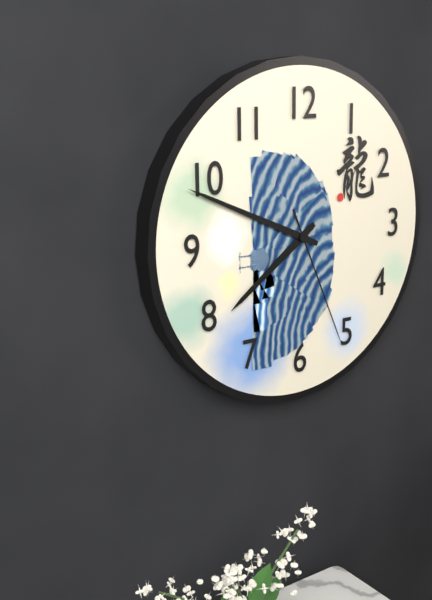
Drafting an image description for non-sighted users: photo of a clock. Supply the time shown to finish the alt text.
7:49:26
